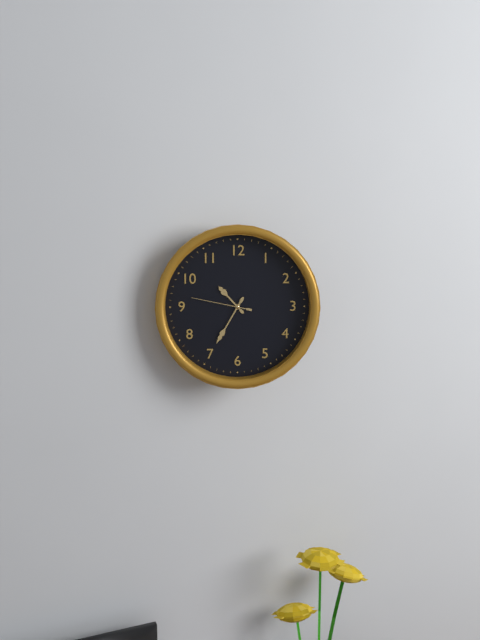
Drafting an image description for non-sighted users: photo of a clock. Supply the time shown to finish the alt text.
10:35:47
